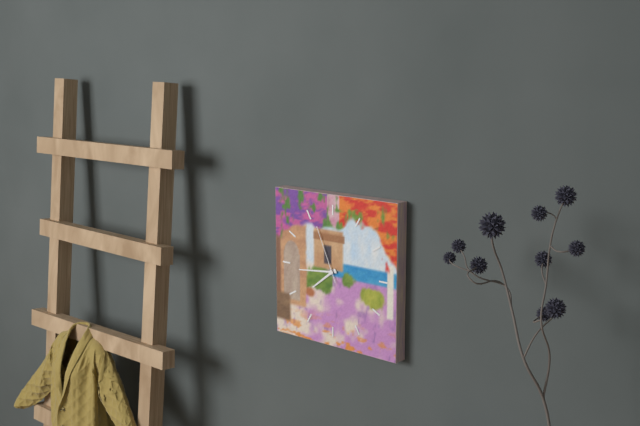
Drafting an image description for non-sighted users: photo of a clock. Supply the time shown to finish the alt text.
7:44:56
